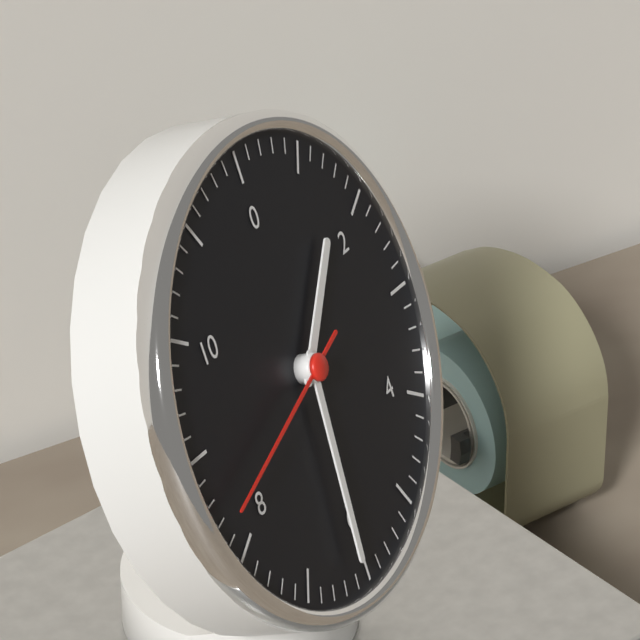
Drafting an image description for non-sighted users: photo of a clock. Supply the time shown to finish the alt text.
1:31:42
